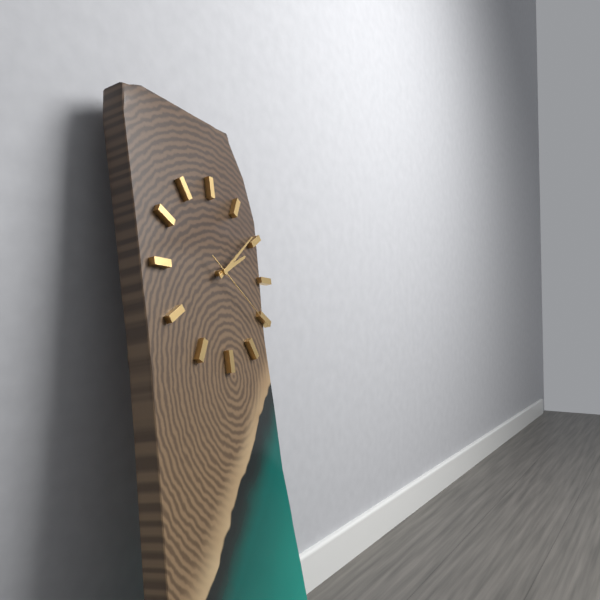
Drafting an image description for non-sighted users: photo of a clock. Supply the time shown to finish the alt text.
2:09:21
